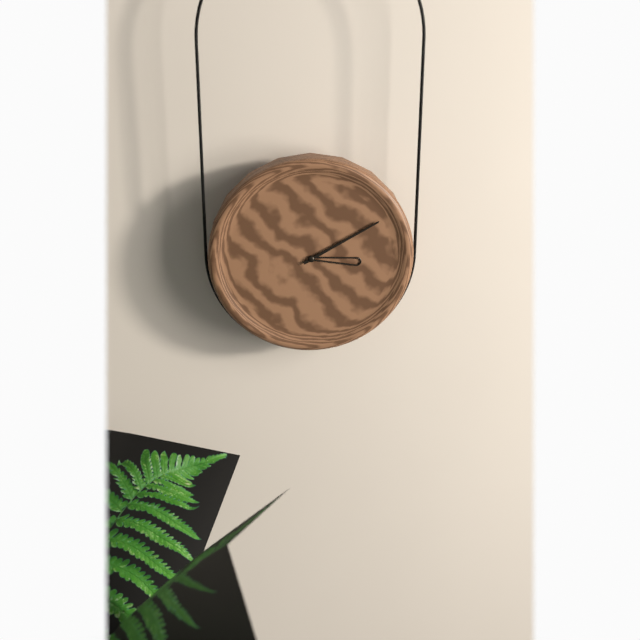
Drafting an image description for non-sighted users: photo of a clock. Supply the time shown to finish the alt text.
3:10
